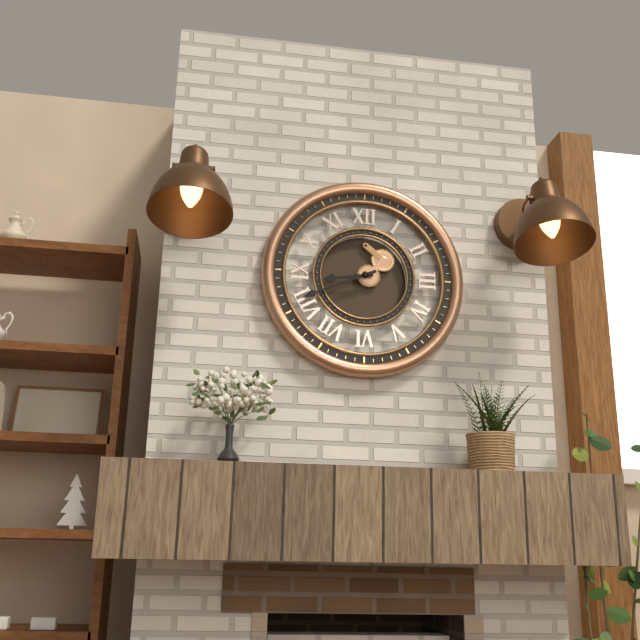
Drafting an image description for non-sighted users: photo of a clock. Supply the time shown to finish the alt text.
8:41
